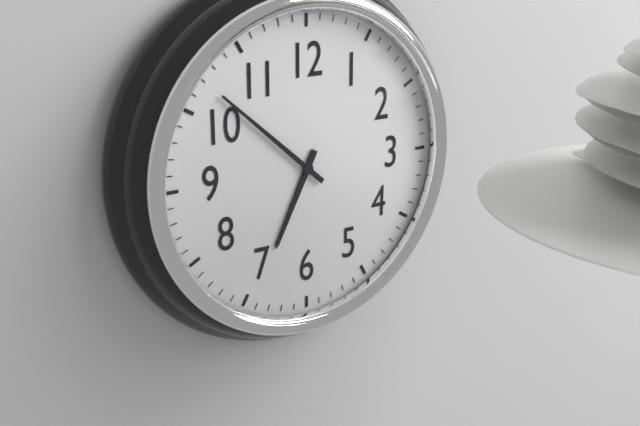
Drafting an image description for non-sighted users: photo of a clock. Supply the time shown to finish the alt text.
6:52
